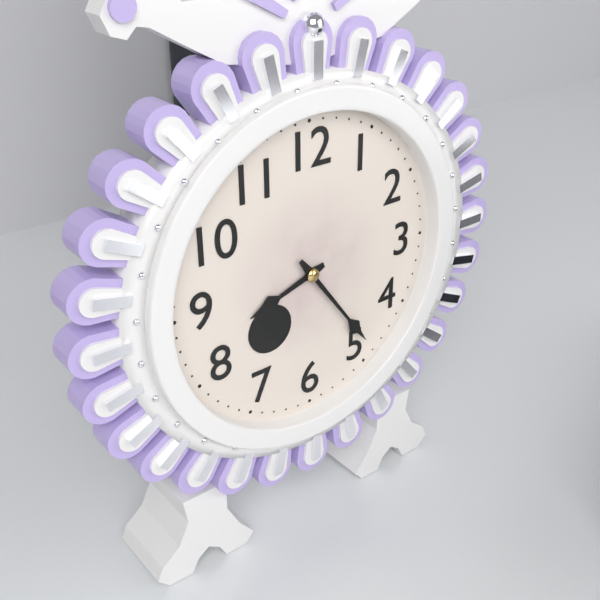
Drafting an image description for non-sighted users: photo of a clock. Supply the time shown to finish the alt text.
8:24
